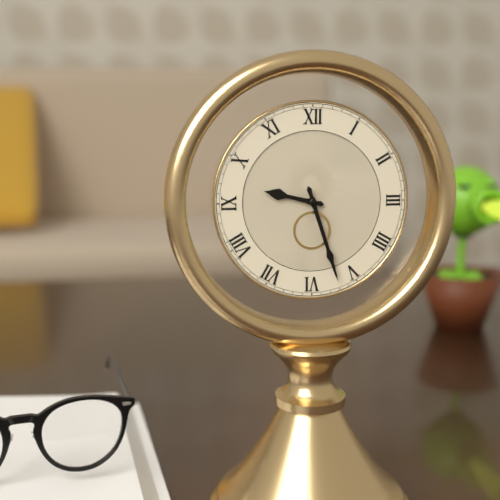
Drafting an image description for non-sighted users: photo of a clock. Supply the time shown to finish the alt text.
9:27
